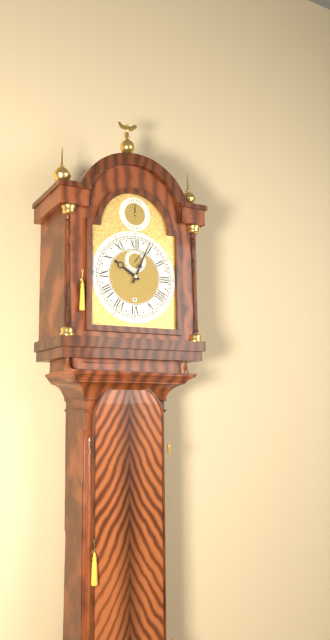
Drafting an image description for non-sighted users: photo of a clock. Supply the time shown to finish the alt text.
10:04
